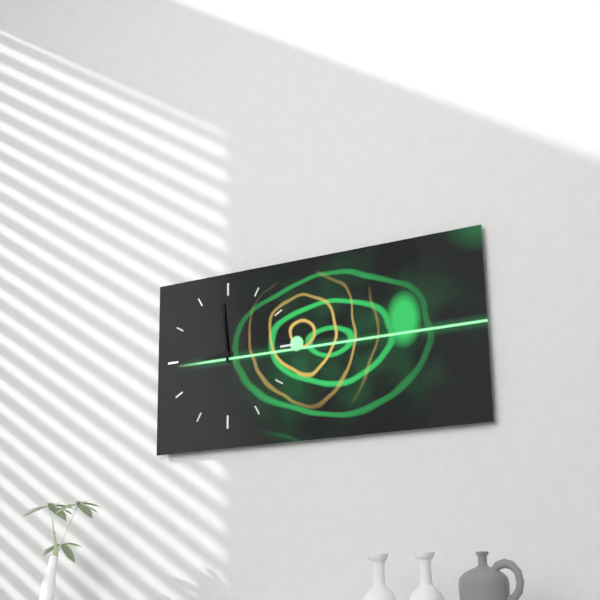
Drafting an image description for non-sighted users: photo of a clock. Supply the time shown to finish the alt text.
8:59
